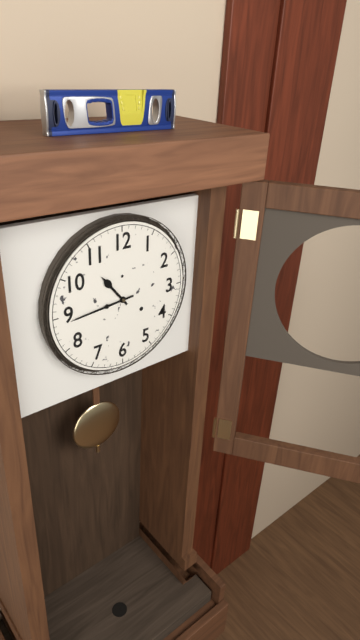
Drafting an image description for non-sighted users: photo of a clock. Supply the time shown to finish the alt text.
10:44
